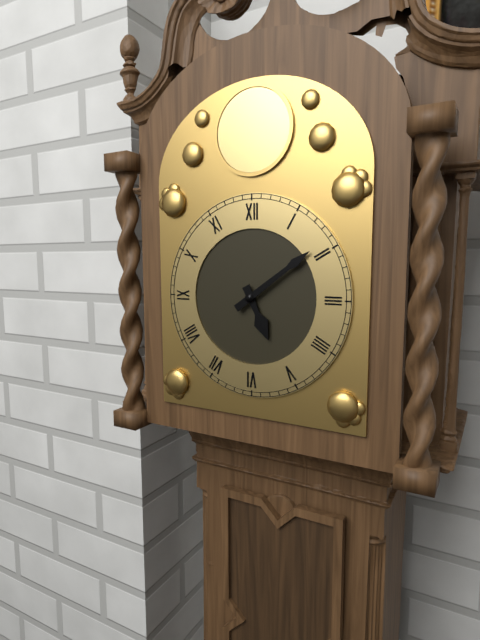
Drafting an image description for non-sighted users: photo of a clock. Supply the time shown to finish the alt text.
5:09
